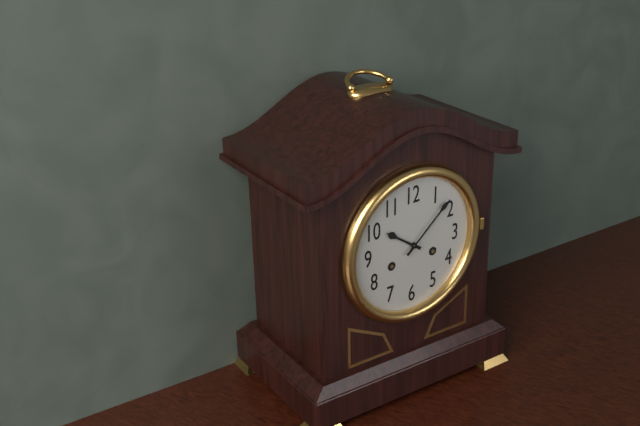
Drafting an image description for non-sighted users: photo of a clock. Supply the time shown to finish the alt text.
10:08
